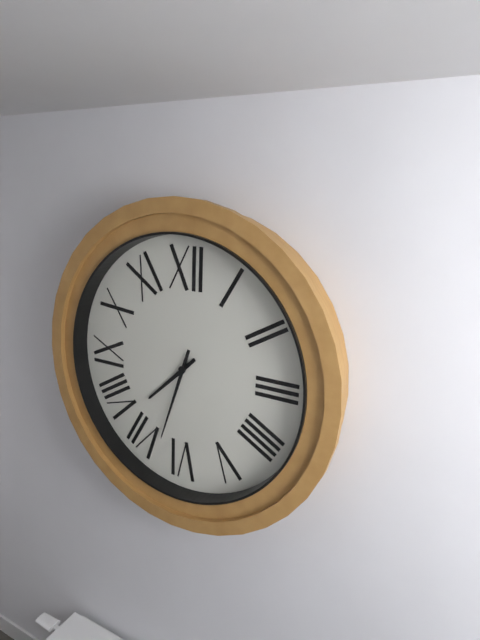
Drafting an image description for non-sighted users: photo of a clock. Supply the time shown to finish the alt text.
7:33
